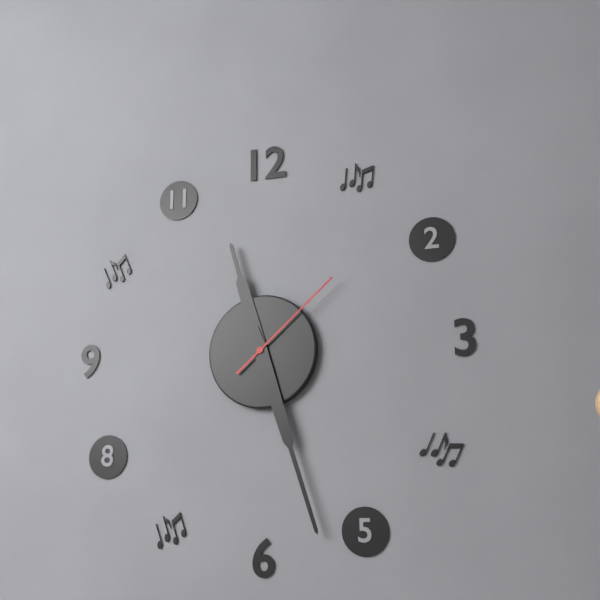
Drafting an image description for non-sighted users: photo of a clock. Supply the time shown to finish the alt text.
11:27:08
